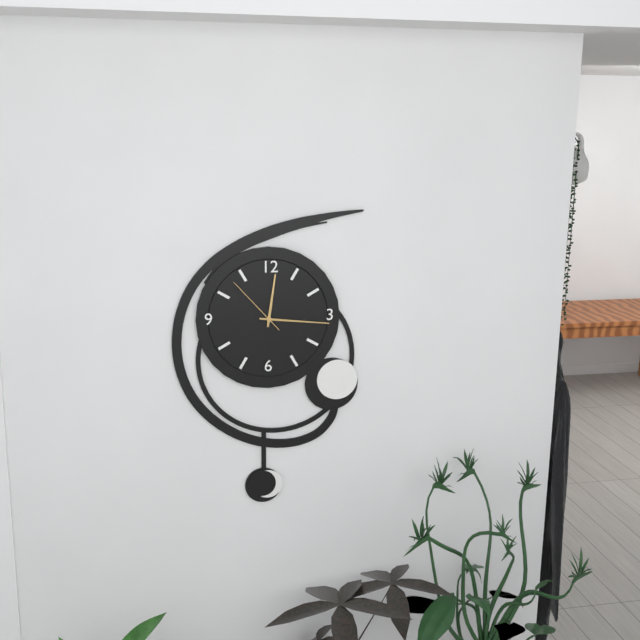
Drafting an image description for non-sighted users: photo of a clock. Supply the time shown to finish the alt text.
12:16:53
